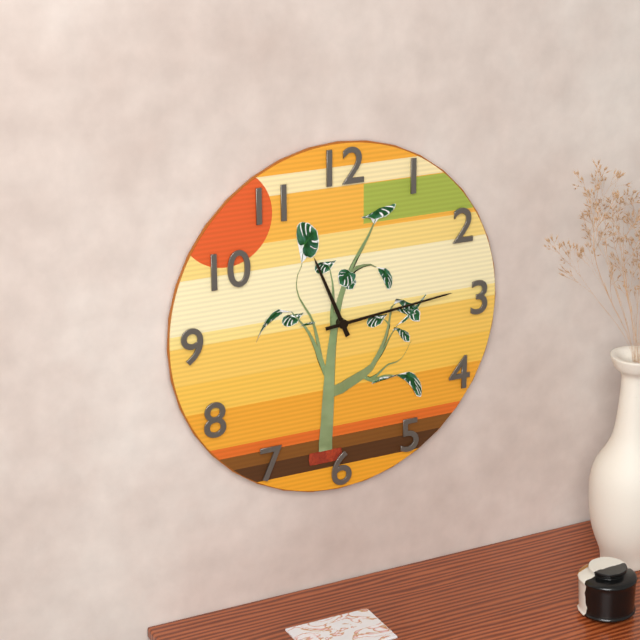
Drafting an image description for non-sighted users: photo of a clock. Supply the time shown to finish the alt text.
11:14
